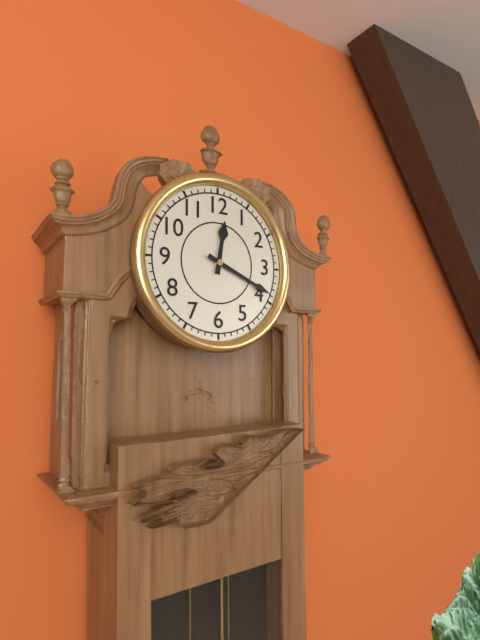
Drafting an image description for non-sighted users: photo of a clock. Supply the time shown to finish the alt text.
12:19
